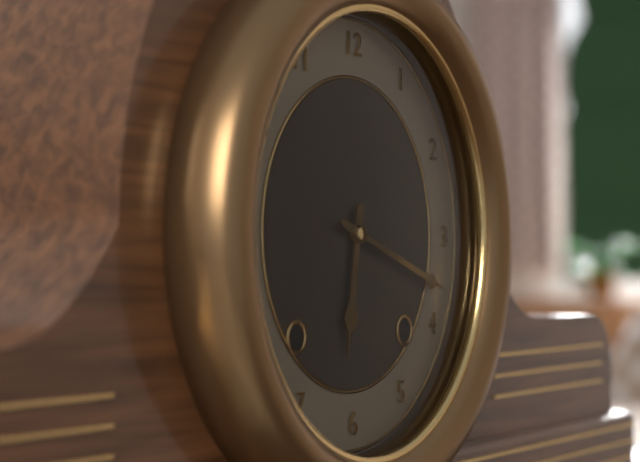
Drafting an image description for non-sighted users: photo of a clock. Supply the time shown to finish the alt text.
6:18
